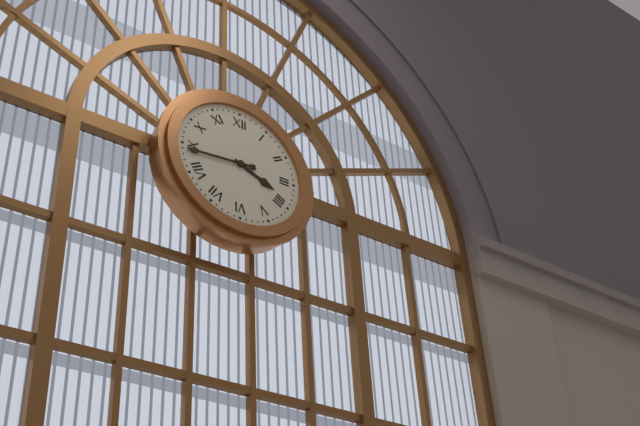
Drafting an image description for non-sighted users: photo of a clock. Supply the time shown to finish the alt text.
3:44
